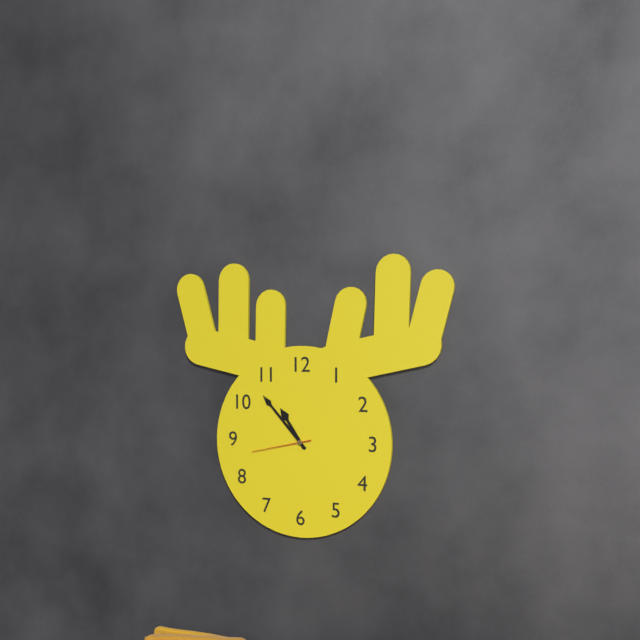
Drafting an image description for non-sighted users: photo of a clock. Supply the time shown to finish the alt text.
10:53:43
